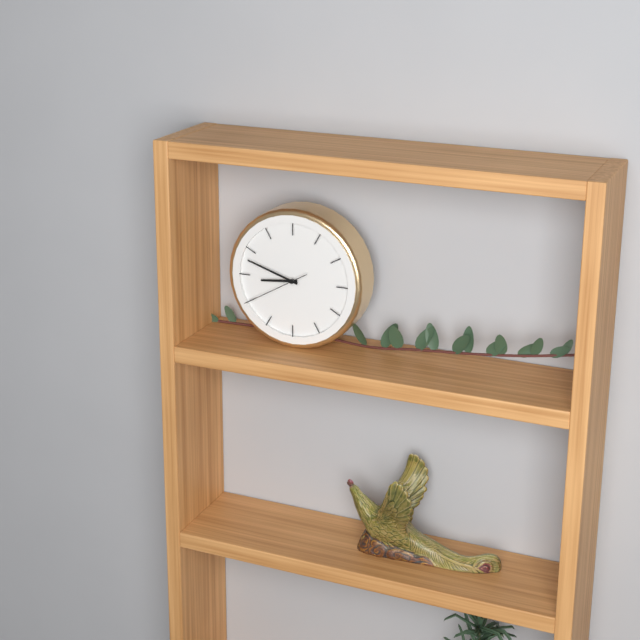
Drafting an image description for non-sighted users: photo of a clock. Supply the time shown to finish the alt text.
8:48:40
